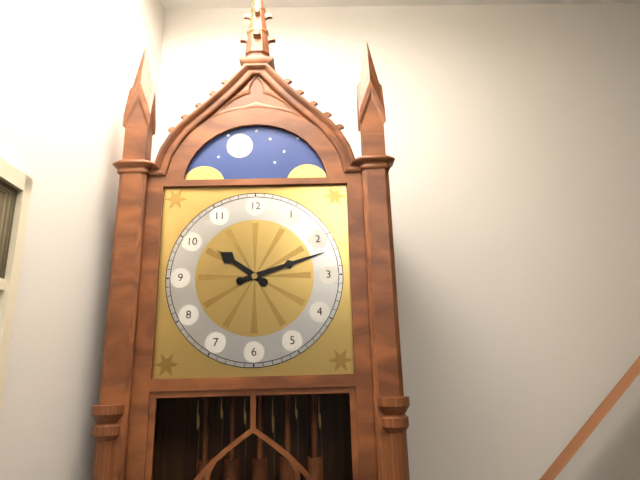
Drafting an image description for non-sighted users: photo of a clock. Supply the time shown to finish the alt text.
10:12
